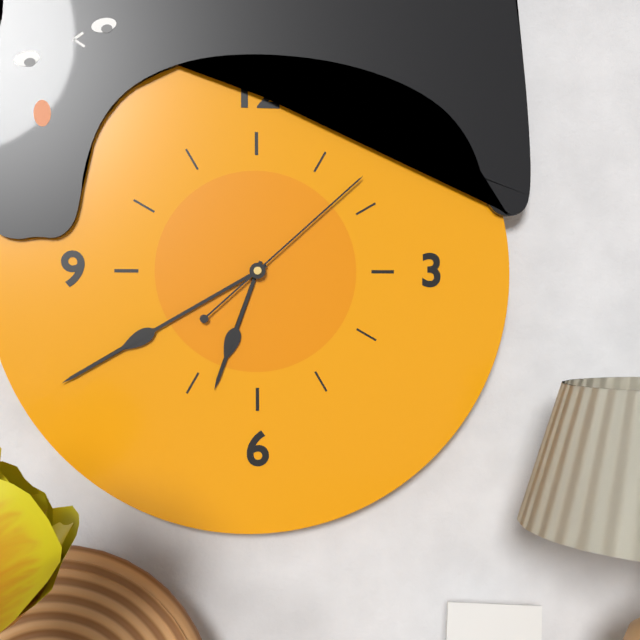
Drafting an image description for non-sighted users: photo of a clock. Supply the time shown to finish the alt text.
6:40:08
